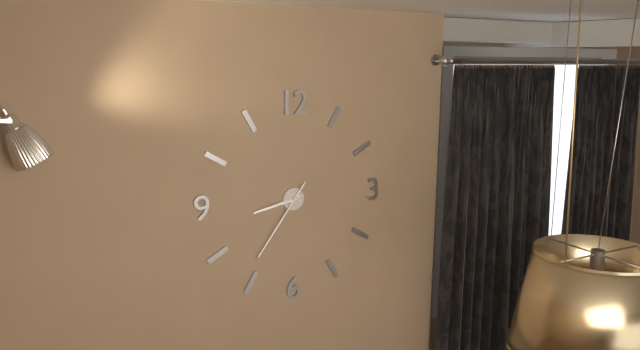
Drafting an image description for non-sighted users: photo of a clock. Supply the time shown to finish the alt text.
8:36
